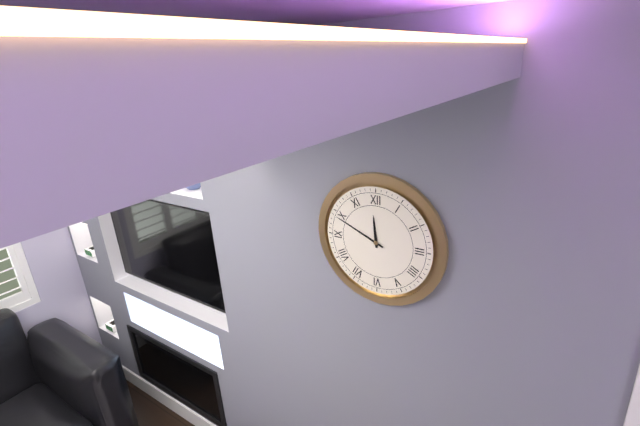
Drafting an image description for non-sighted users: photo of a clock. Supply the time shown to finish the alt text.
11:49
